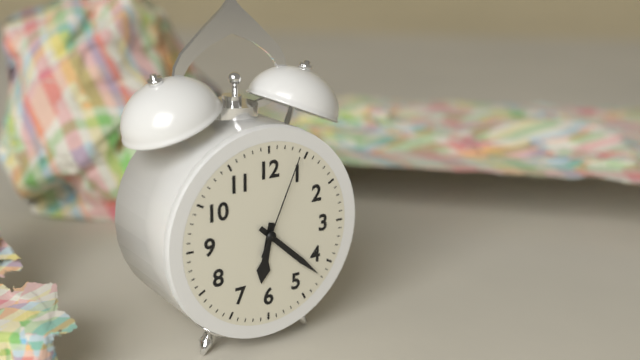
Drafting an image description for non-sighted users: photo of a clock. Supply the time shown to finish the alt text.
6:22:04
